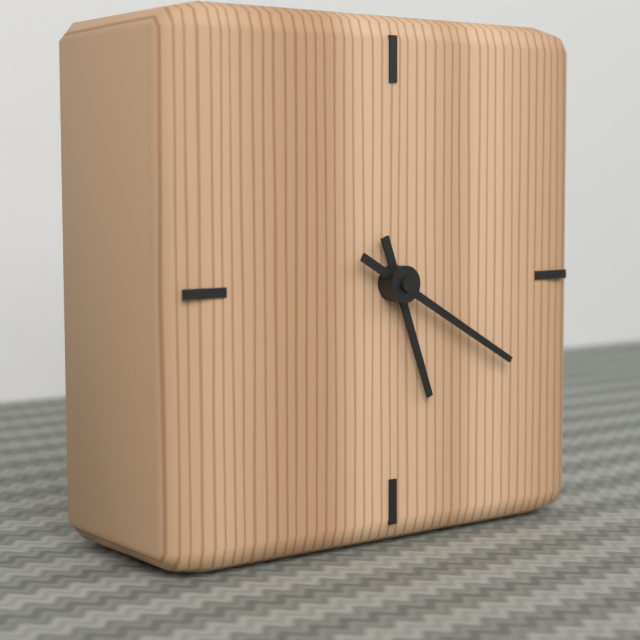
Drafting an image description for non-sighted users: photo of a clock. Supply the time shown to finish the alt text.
5:20
